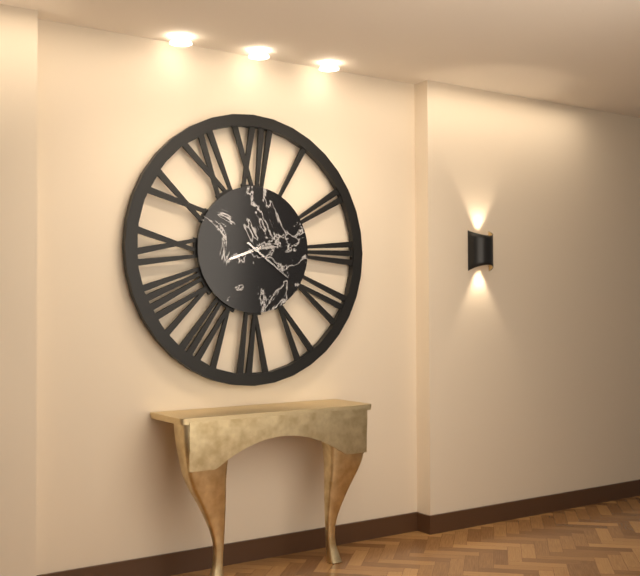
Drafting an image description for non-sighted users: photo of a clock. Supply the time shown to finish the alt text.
8:21
